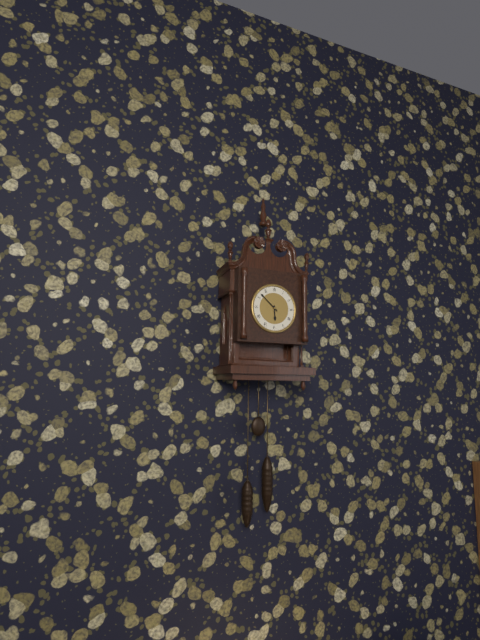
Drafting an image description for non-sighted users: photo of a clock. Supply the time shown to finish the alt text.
5:52
